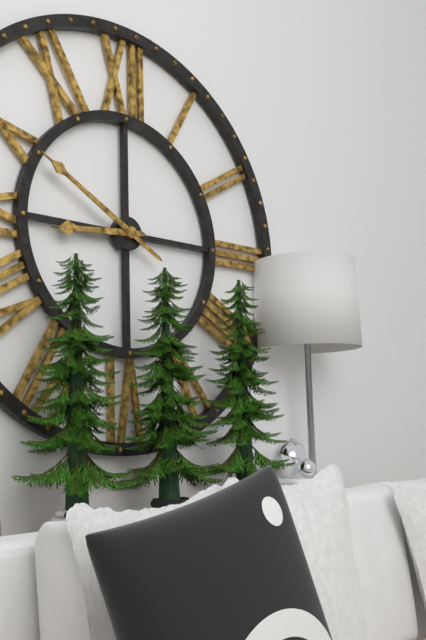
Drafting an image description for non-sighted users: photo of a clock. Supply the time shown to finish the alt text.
8:50
